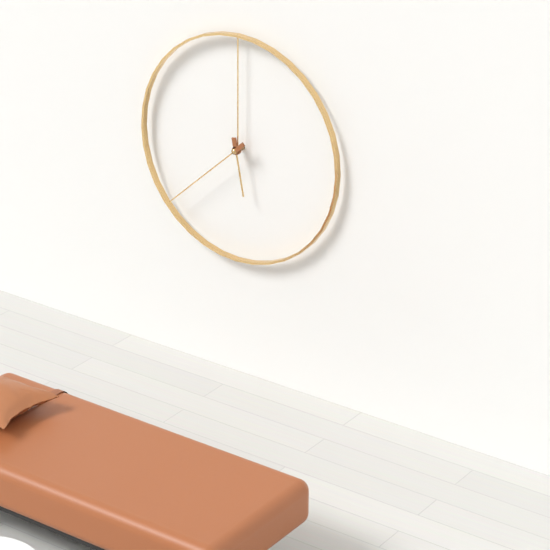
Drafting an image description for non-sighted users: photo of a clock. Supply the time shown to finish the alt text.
5:38
